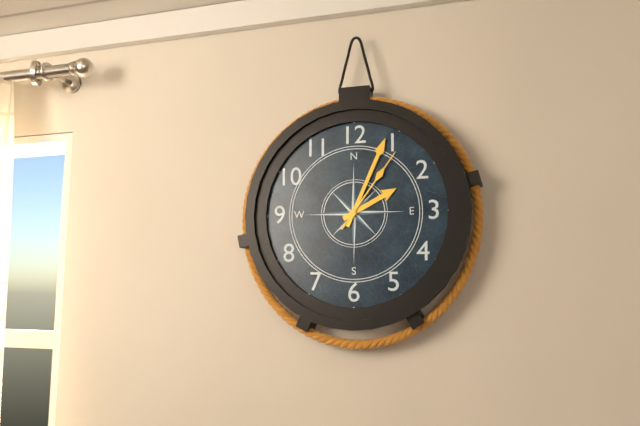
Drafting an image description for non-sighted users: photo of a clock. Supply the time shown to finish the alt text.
2:04:06
